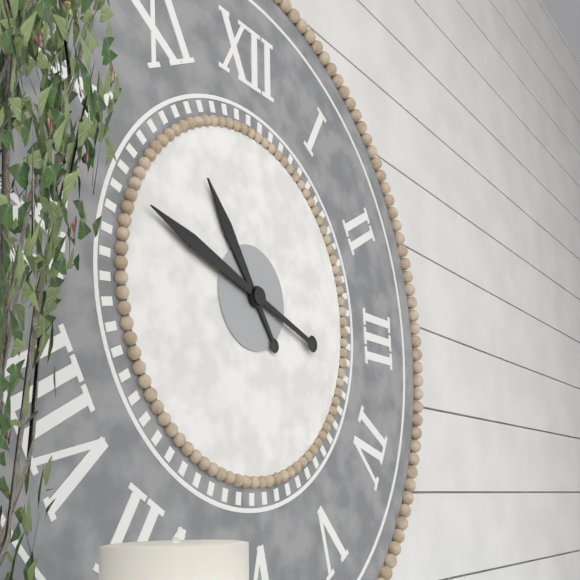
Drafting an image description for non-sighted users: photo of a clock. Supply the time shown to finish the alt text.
10:48
